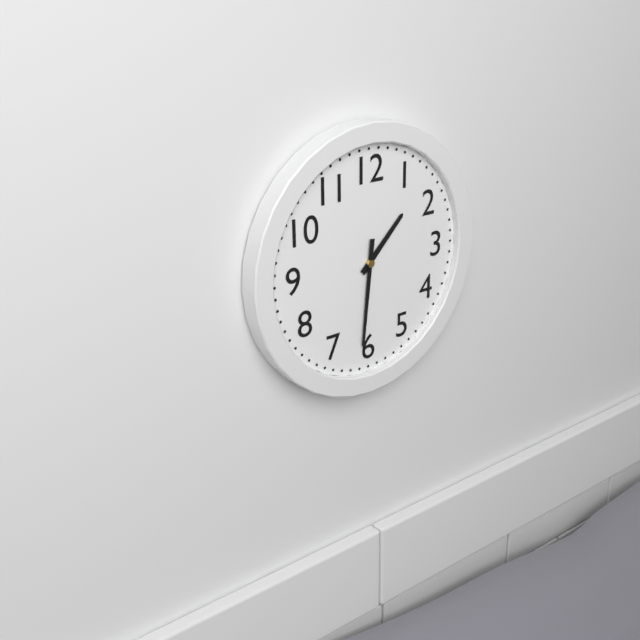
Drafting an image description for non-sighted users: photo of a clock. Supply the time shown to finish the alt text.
1:31
